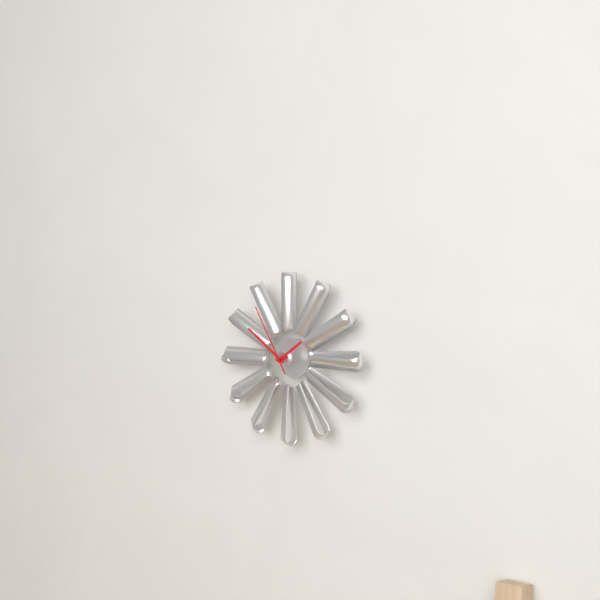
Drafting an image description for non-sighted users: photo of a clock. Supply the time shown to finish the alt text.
1:51:55
